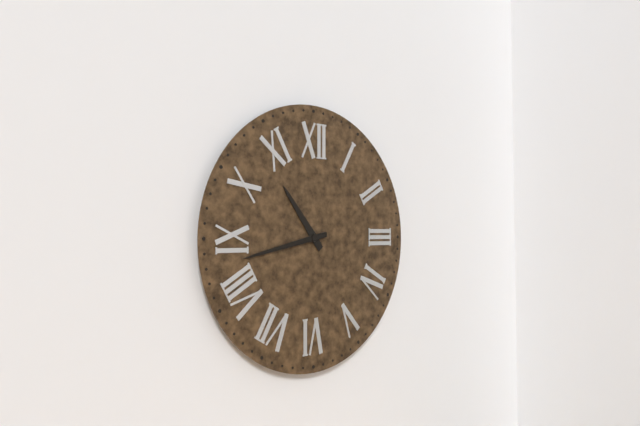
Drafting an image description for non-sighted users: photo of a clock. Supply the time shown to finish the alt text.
10:43
